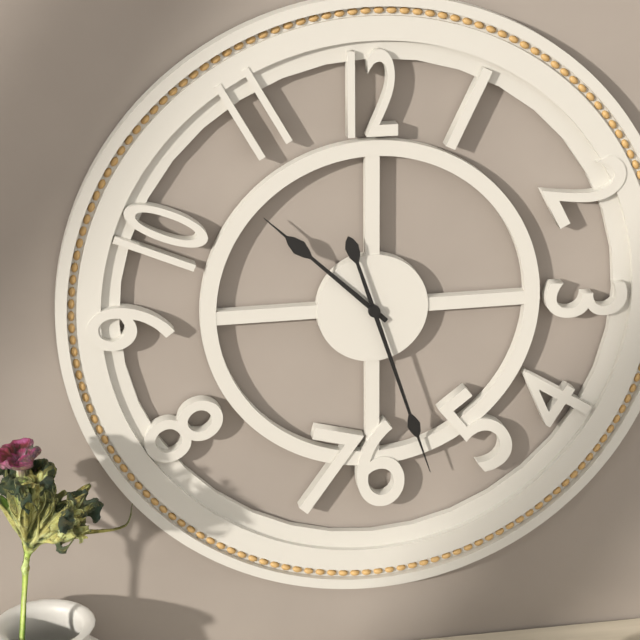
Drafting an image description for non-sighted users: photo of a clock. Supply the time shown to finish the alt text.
10:27
